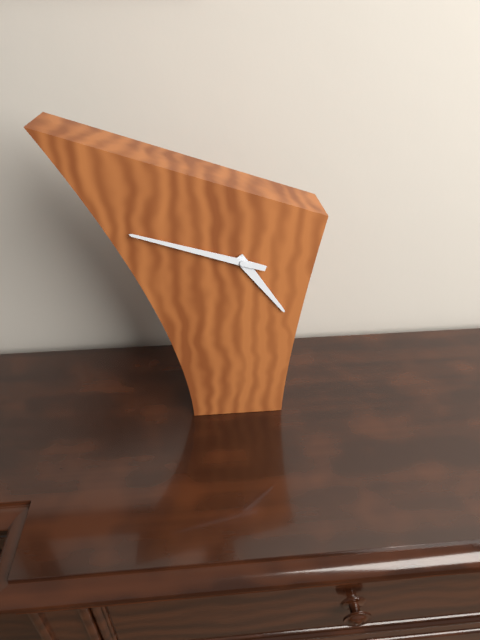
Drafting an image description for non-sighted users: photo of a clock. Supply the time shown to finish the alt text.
4:48
